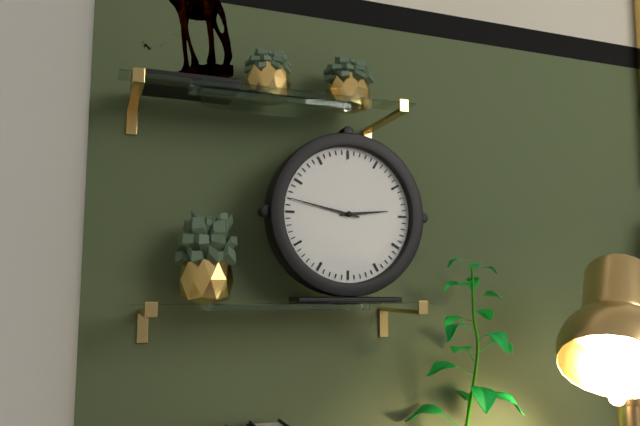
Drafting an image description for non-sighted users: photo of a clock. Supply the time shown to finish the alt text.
2:47
